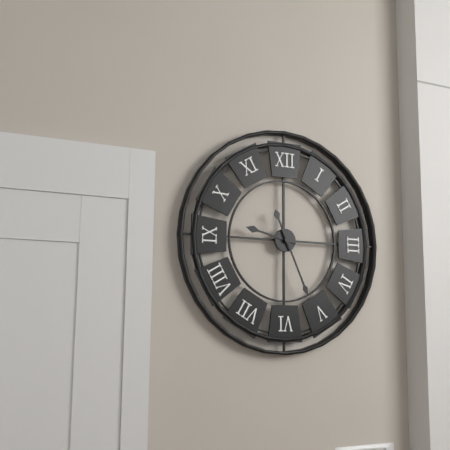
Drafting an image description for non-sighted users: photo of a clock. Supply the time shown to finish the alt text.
9:26
